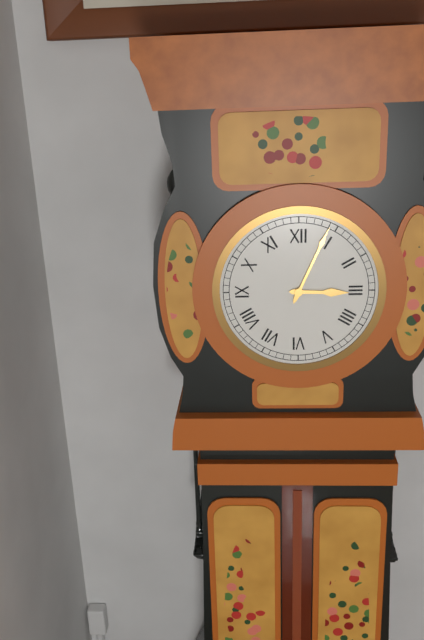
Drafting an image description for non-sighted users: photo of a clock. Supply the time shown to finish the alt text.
3:04
